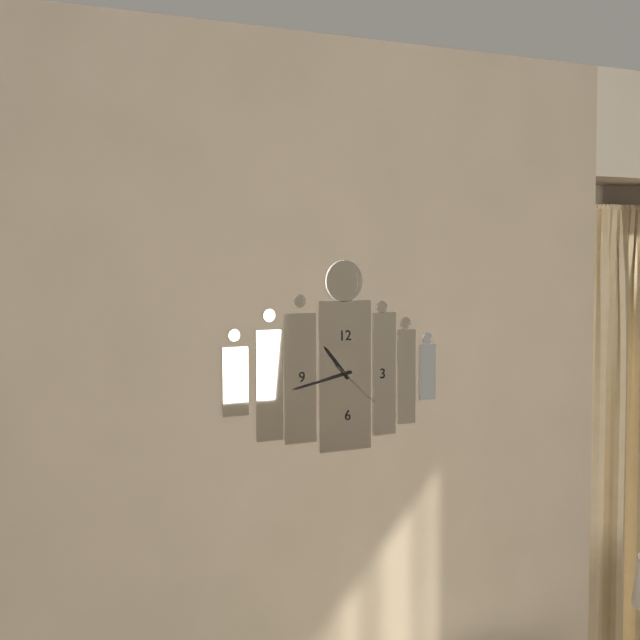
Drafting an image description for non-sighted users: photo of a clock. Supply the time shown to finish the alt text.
10:43:22
